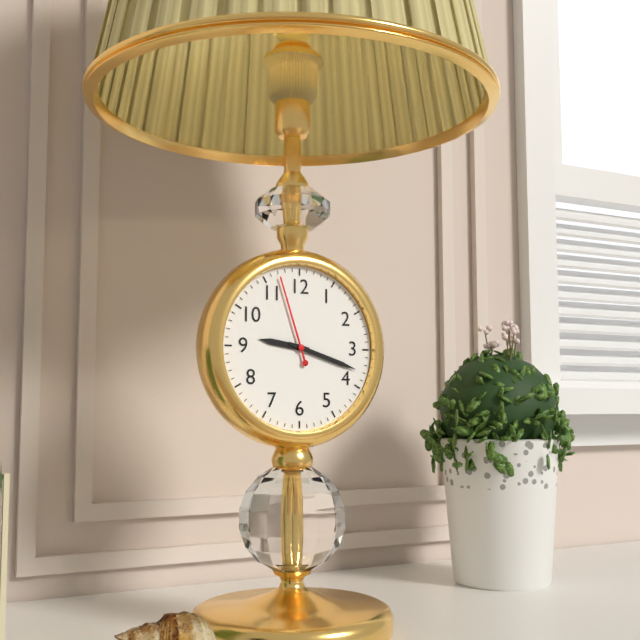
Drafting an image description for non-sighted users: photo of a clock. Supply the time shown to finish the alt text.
9:18:57
